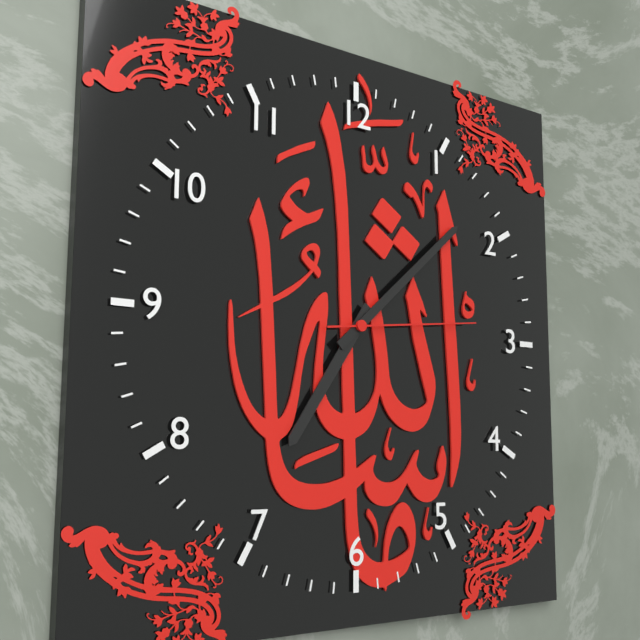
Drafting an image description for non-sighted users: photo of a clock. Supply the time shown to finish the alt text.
7:08:14
